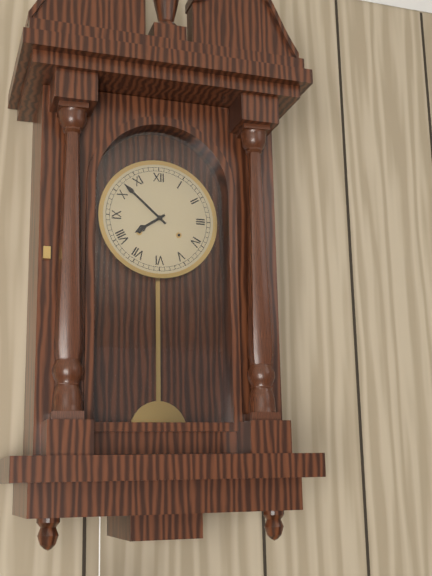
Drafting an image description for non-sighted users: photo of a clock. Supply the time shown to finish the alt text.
7:52
